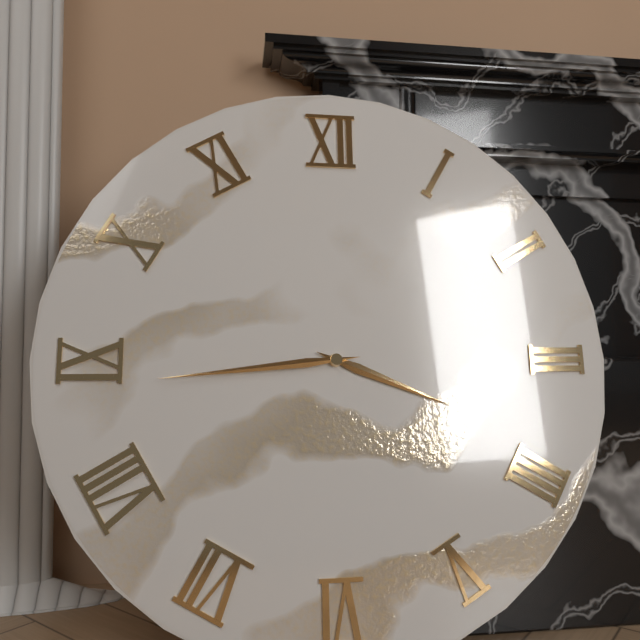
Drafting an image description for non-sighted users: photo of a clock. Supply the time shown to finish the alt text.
3:44
